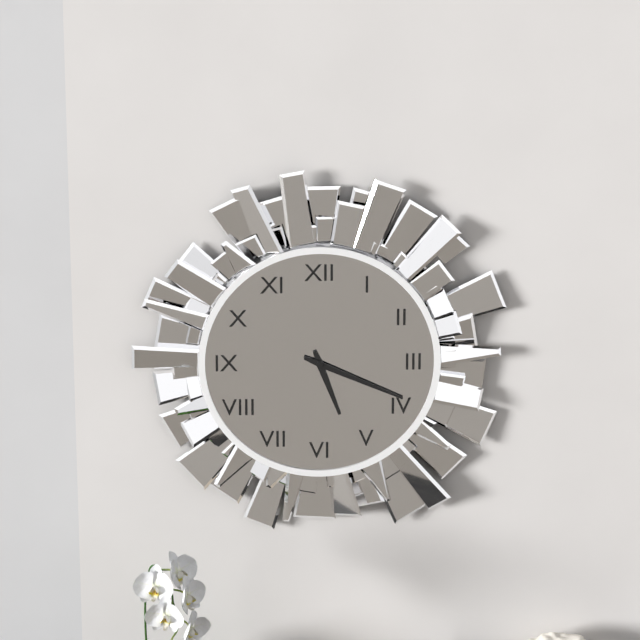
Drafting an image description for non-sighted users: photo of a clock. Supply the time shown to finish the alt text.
5:19
